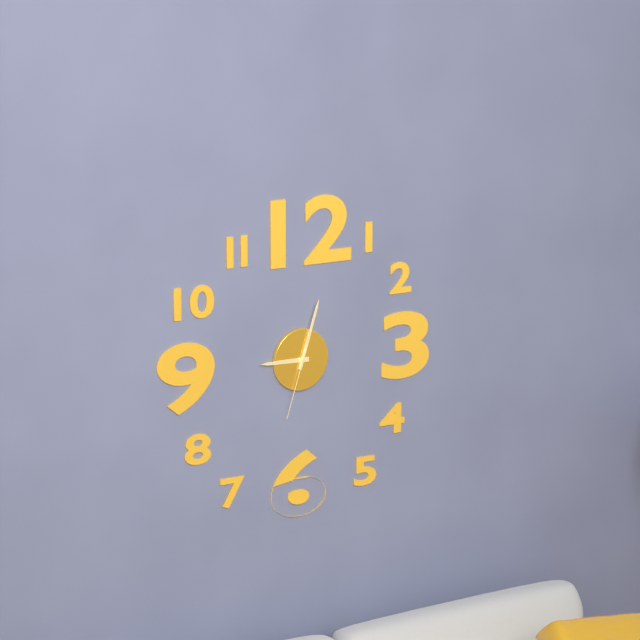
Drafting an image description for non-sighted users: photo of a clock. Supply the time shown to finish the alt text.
9:03:33
